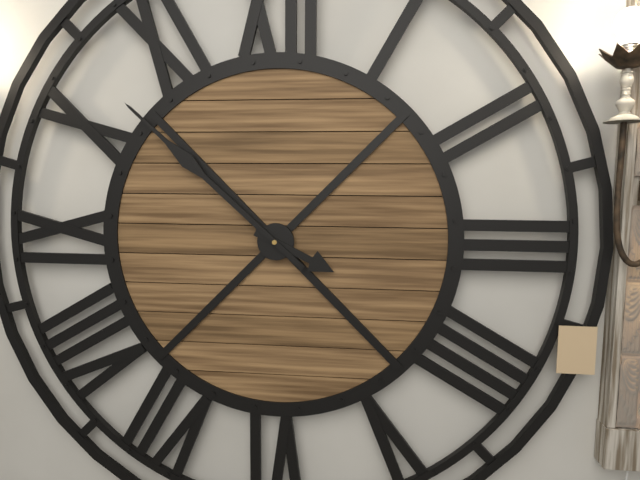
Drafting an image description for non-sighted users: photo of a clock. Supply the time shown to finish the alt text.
3:52
